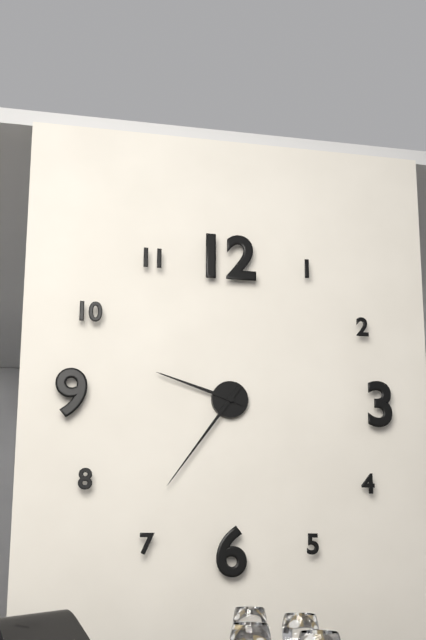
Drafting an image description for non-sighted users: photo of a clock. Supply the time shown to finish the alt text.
9:36
